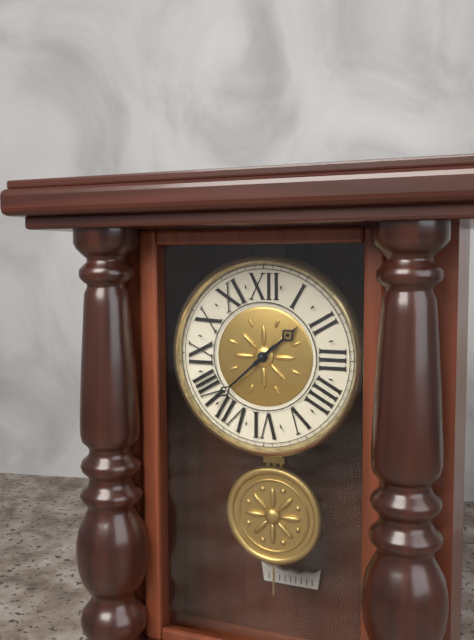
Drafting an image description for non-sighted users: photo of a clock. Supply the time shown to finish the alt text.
1:38
